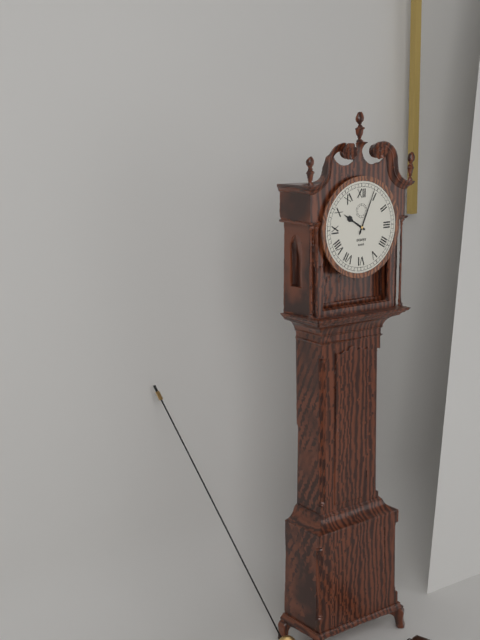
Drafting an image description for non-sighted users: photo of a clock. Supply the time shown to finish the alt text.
10:04
